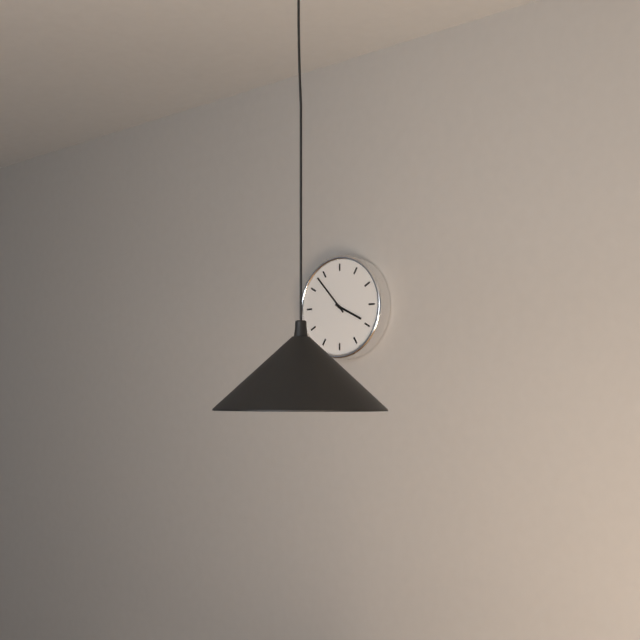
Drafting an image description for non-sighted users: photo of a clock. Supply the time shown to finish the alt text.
3:53
